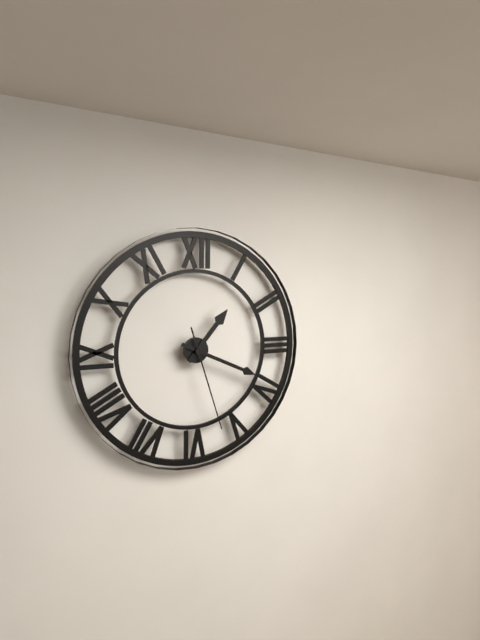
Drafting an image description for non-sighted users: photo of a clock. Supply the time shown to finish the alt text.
1:19:27
